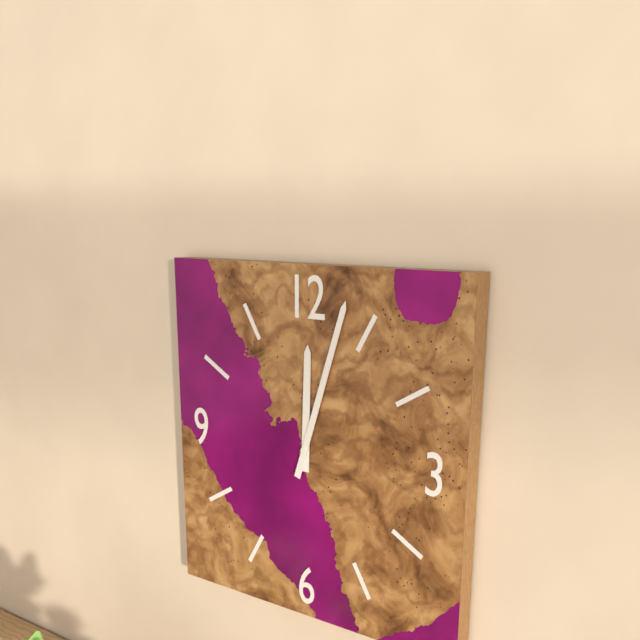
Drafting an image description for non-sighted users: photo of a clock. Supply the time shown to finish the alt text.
12:03
